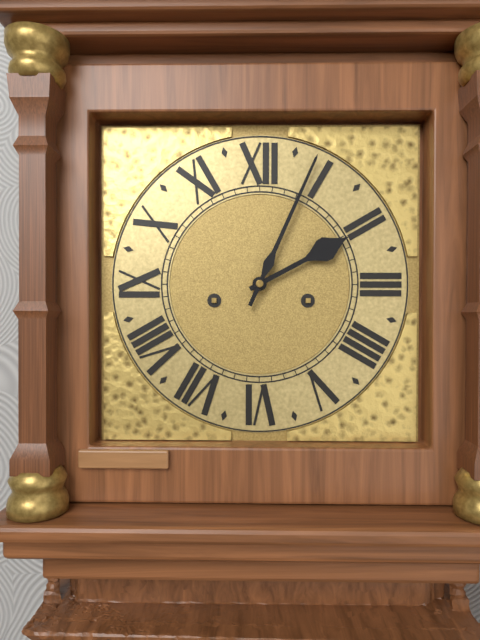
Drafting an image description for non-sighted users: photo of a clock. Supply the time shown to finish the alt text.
2:04
